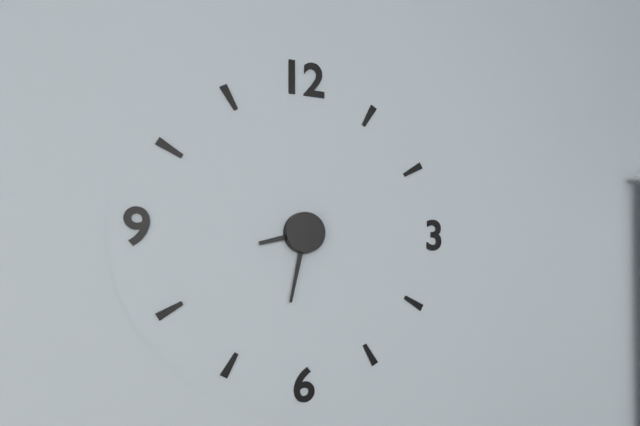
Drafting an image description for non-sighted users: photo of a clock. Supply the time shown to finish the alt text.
8:32
